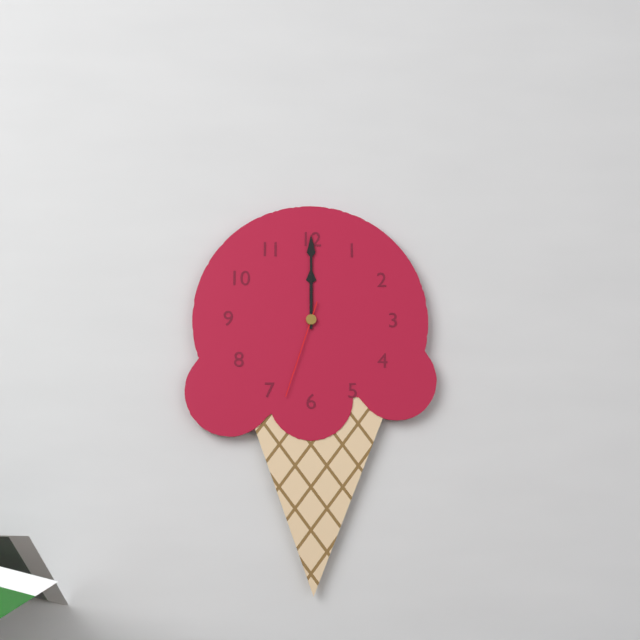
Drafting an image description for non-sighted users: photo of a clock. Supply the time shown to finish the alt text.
12:00:33
